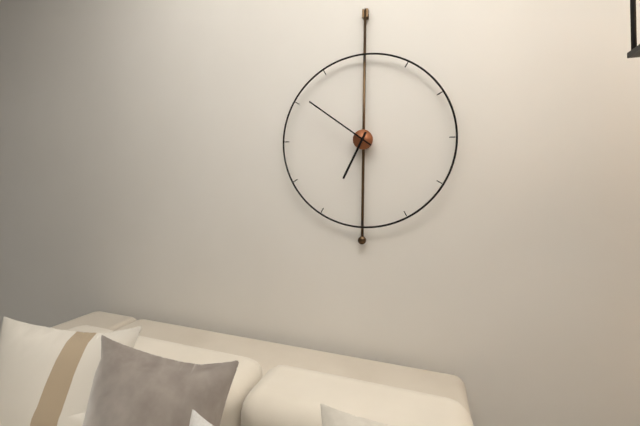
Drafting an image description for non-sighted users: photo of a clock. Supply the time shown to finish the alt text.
6:51
